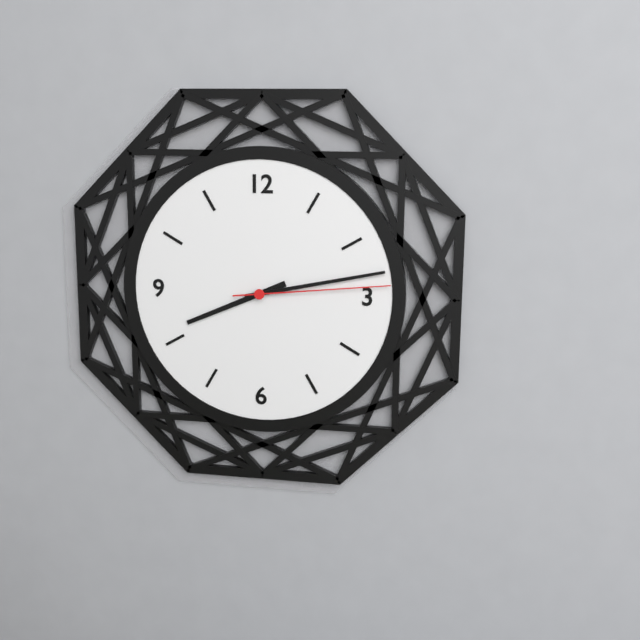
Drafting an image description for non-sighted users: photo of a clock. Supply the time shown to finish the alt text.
8:13:14
